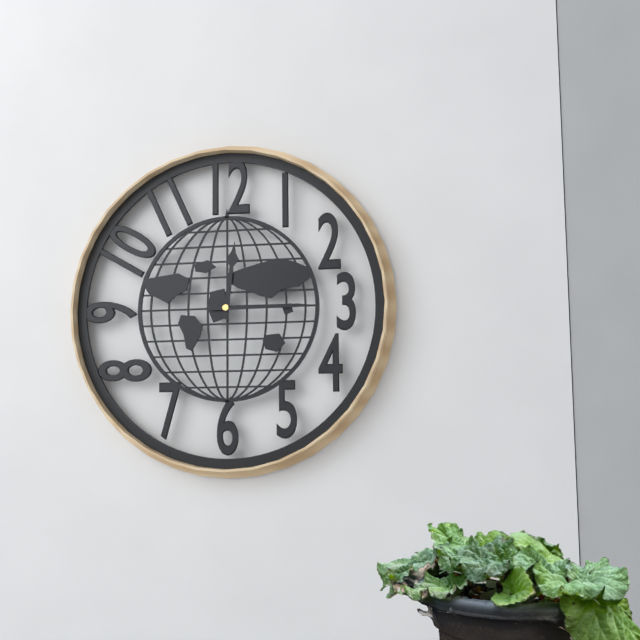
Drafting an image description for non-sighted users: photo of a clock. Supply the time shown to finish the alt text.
12:15
